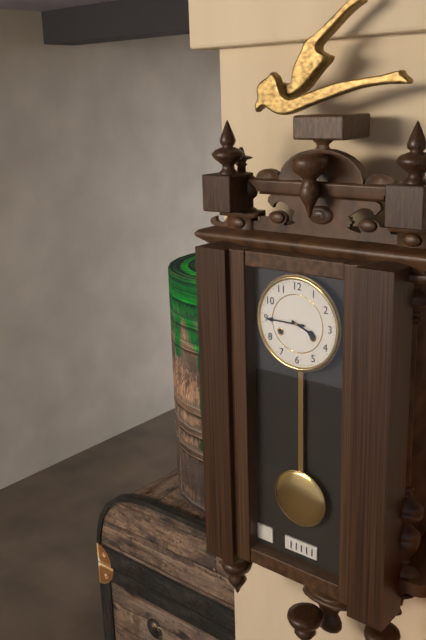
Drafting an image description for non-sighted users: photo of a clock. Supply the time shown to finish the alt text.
3:45
